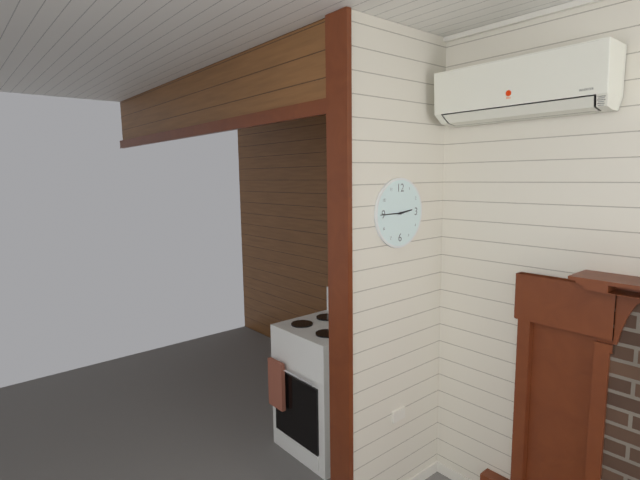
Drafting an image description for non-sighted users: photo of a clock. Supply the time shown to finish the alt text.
2:45
